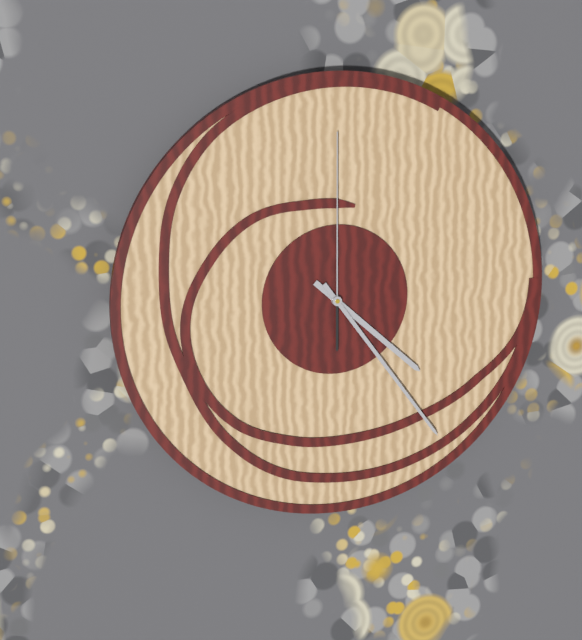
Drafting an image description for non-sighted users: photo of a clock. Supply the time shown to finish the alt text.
4:24:00
